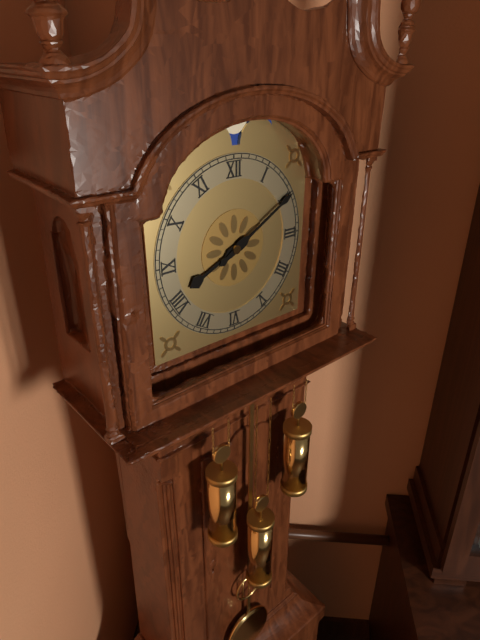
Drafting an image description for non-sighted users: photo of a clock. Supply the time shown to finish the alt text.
8:10
